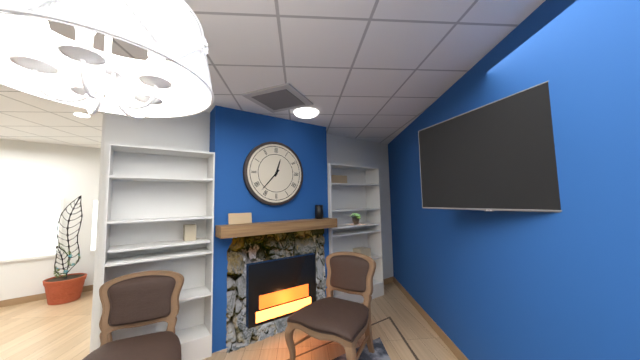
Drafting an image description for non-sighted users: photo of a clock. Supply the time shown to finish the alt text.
12:37
